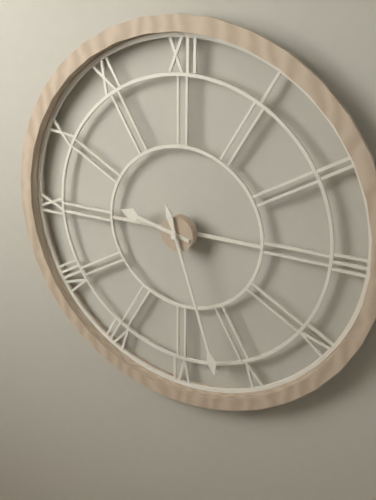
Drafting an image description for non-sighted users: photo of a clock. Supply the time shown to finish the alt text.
9:27
